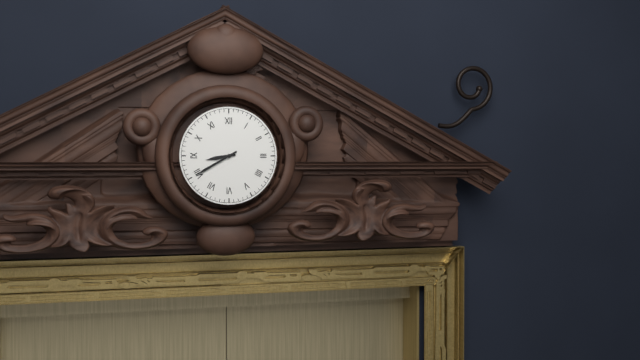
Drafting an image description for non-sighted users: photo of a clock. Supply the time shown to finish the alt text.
8:40
